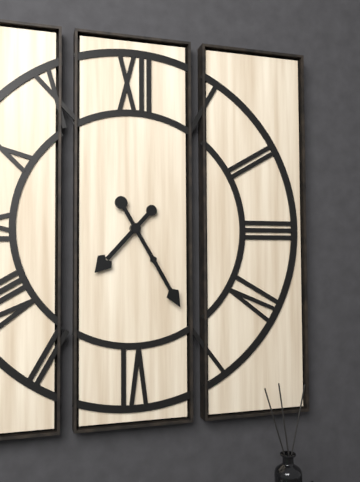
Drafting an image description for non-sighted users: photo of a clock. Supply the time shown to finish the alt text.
7:25
